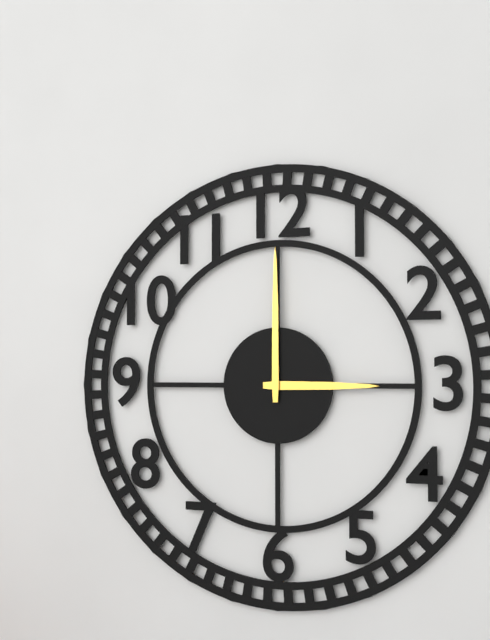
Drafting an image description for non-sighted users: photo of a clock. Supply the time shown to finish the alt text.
3:00
